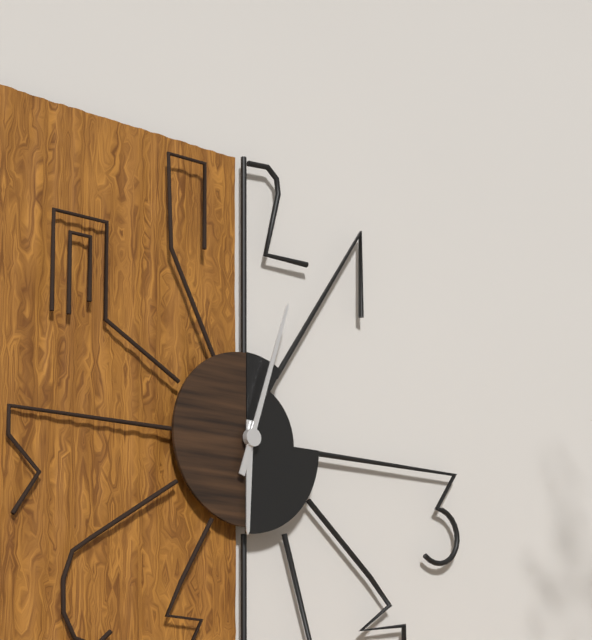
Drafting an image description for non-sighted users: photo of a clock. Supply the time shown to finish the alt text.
6:03
